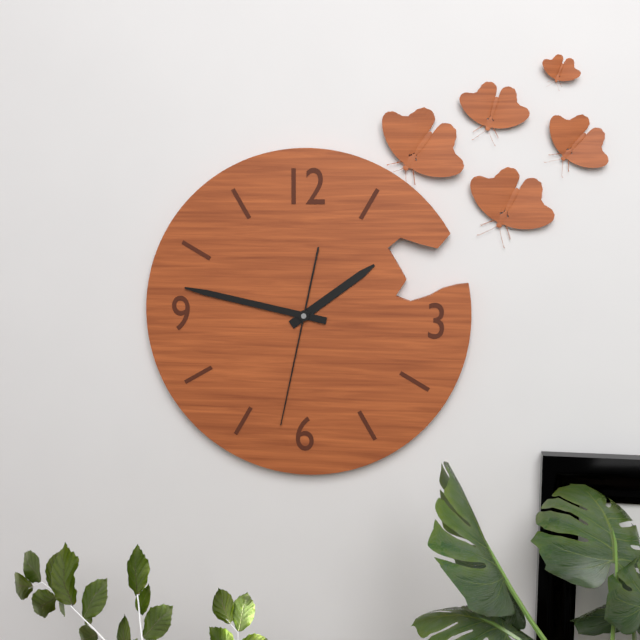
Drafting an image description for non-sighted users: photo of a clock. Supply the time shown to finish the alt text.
1:47:32
